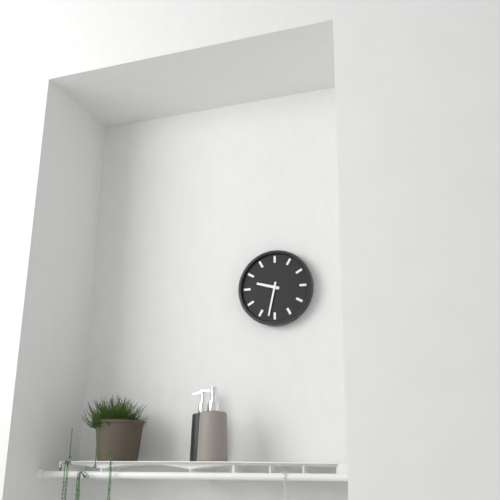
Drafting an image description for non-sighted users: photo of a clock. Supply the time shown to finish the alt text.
9:32
